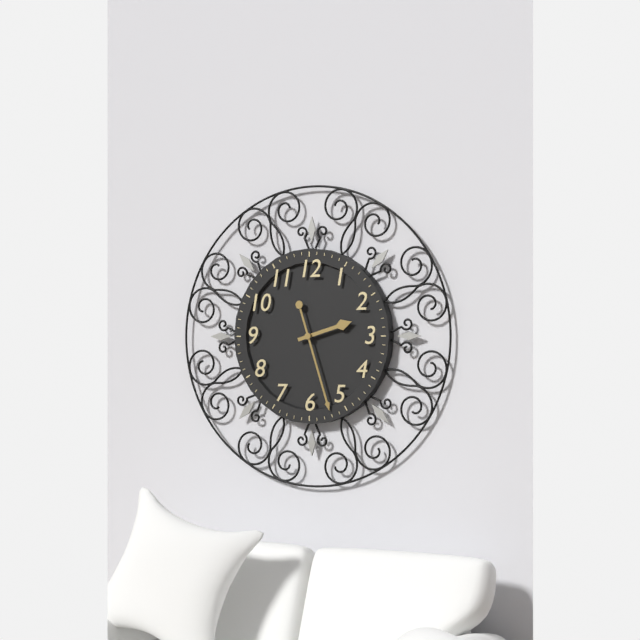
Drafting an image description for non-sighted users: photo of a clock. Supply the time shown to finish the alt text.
2:27
